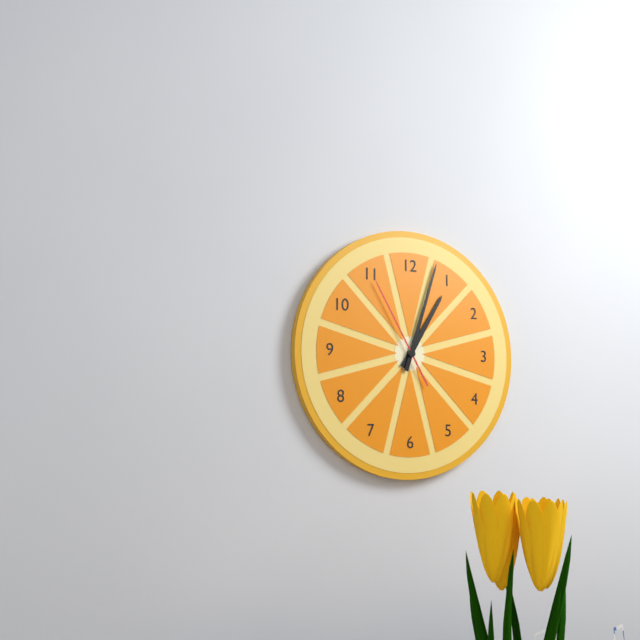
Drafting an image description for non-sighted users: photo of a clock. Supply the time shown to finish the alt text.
1:03:55
